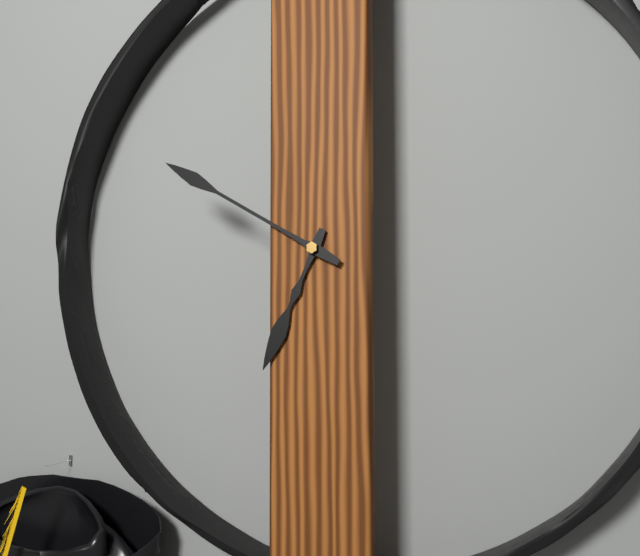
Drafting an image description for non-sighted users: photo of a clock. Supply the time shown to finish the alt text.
6:50
